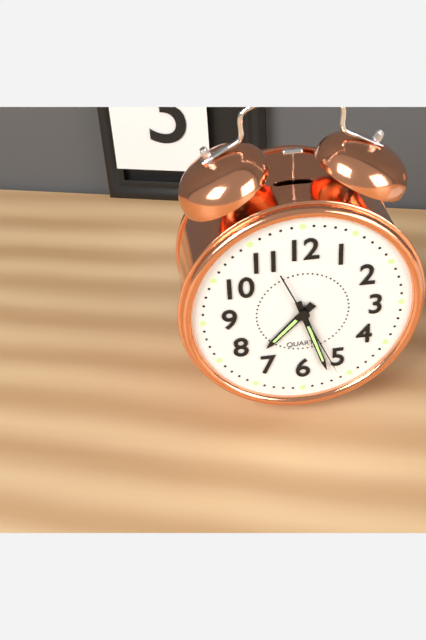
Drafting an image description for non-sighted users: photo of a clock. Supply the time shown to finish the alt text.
7:27:26
